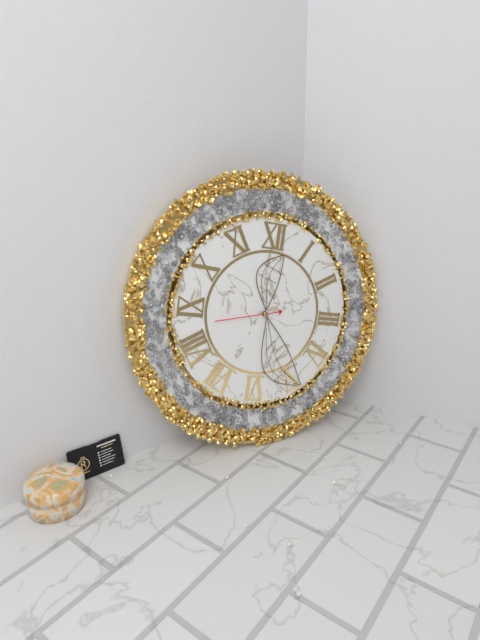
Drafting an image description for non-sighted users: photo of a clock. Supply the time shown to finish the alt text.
12:24:43
